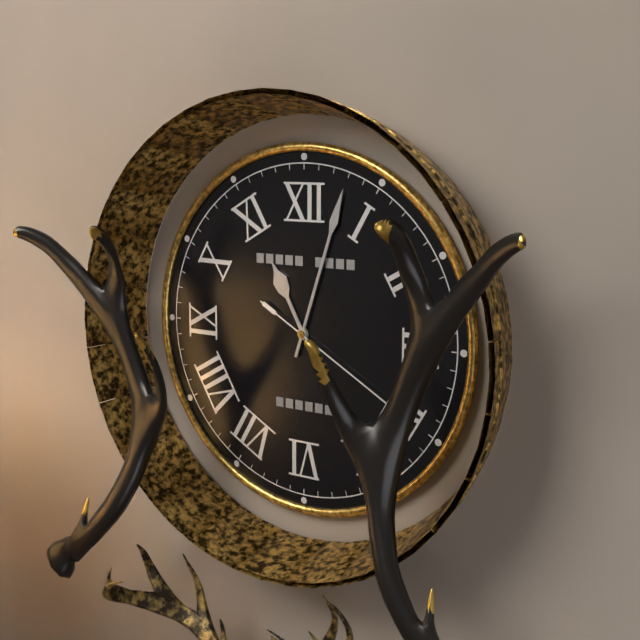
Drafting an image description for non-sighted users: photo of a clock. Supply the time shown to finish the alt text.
11:03:20
